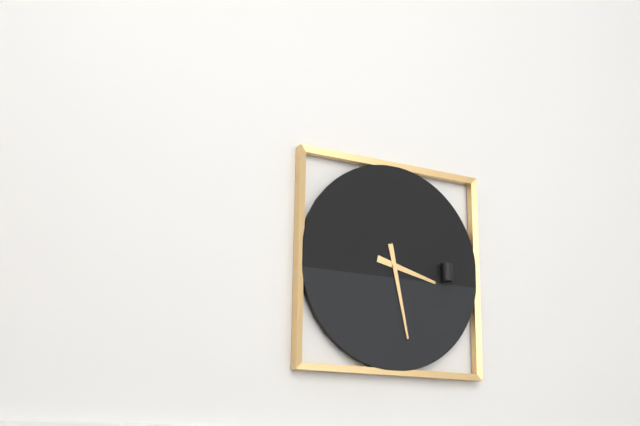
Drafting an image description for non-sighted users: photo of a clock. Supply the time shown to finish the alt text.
3:28
